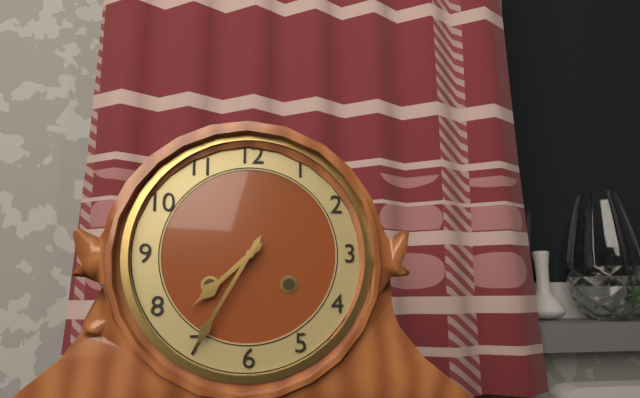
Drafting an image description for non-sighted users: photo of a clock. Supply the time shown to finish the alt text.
7:35
